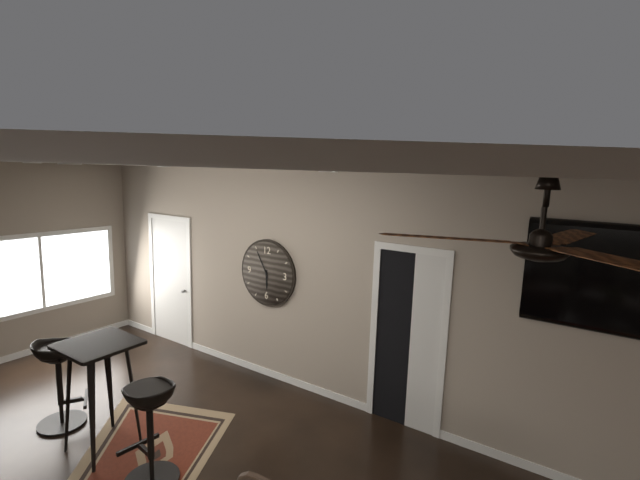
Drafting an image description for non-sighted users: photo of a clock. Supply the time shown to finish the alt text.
5:55
